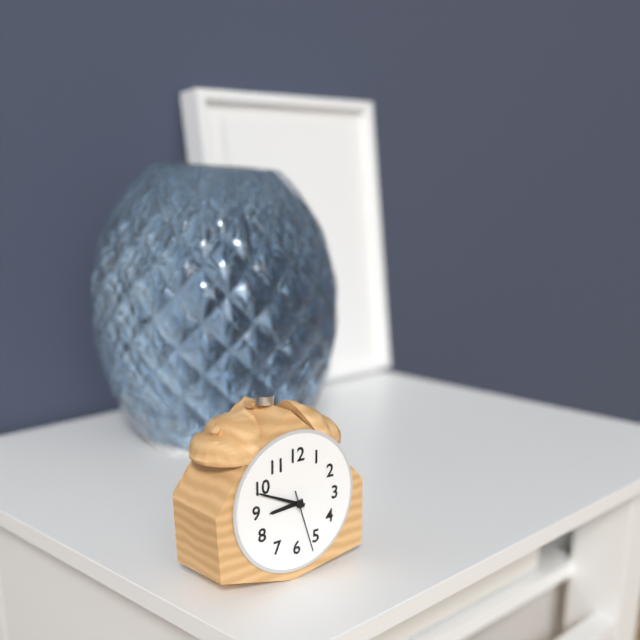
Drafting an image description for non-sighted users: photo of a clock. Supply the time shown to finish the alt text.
8:49:27
